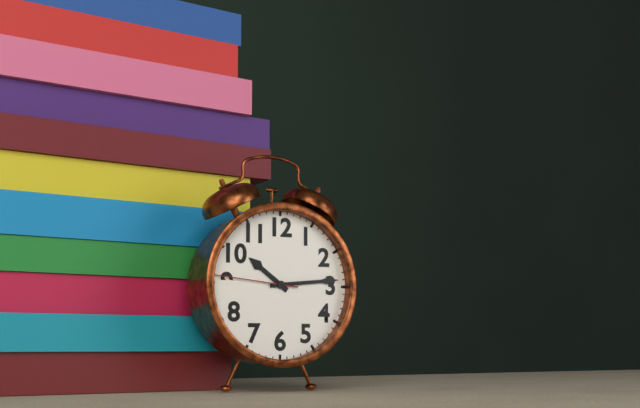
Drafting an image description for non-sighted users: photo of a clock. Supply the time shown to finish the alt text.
10:14:46
